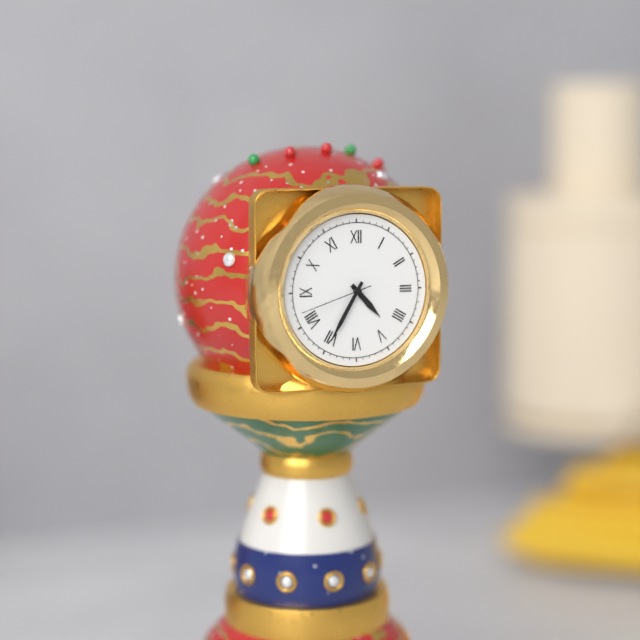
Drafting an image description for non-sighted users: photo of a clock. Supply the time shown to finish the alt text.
4:35:42
